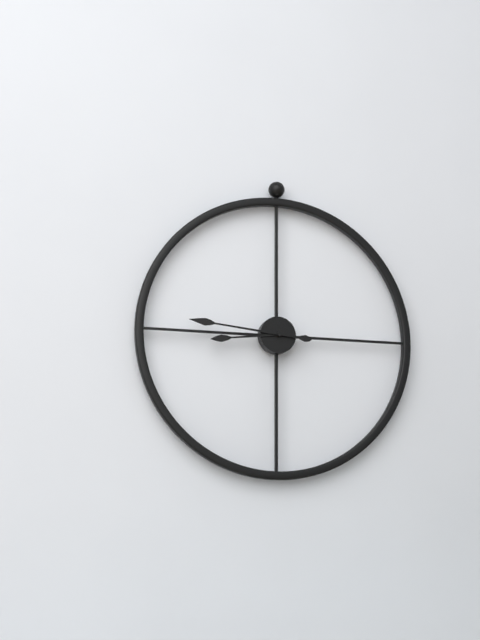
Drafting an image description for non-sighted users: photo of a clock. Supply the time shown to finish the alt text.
8:46
